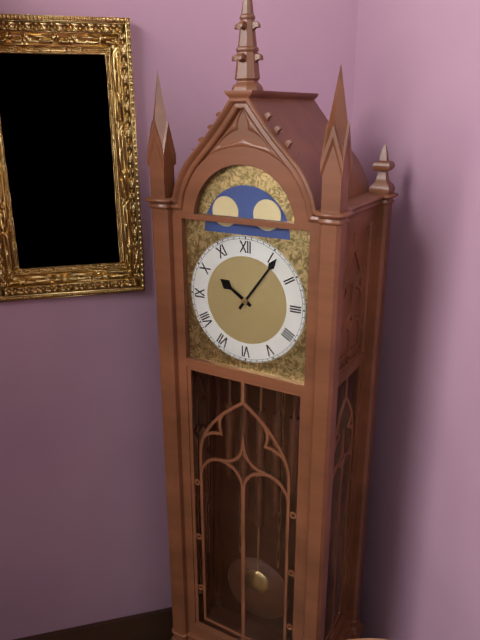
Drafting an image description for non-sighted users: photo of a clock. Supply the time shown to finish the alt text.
10:06
